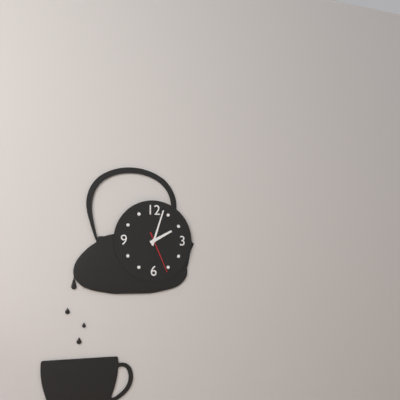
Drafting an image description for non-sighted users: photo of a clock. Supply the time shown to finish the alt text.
2:03
